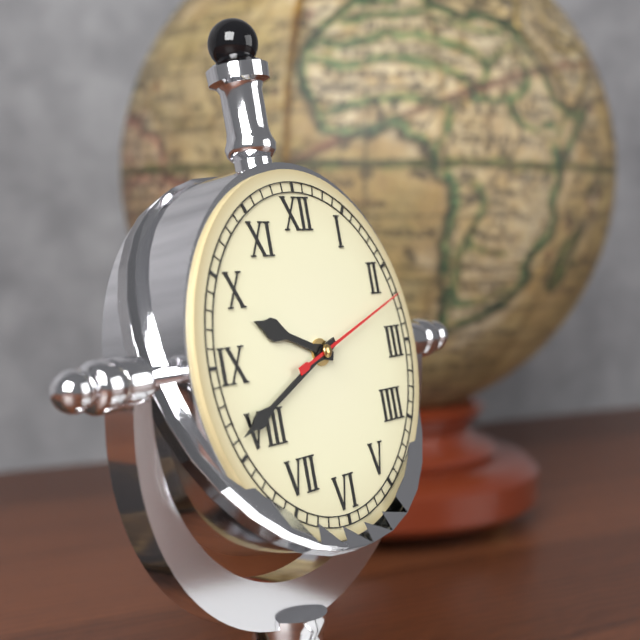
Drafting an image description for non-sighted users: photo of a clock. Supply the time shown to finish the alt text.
9:41:12
